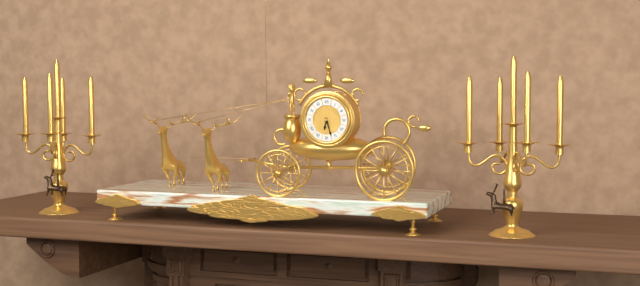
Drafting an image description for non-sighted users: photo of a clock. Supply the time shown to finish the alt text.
6:27
